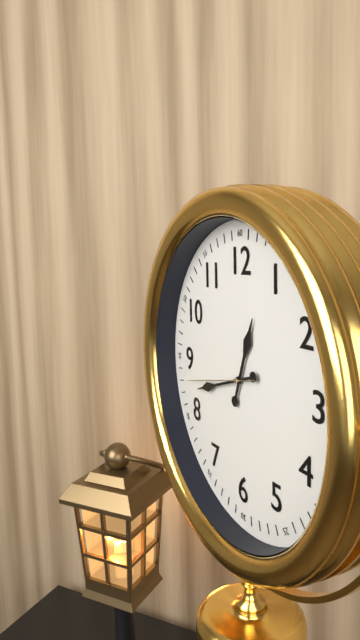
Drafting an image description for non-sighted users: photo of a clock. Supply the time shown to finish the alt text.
12:42:43
